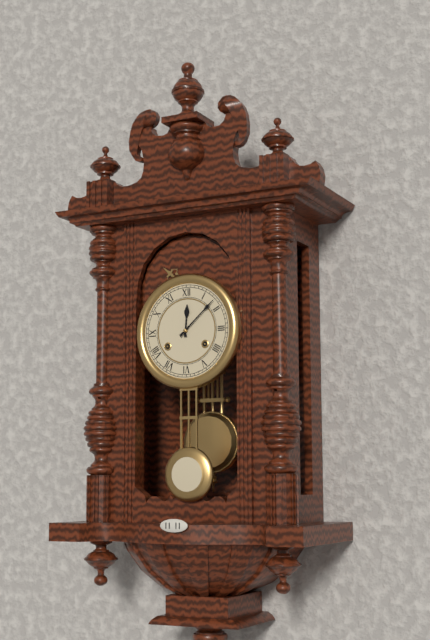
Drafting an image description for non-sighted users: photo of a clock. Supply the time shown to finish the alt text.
12:08
